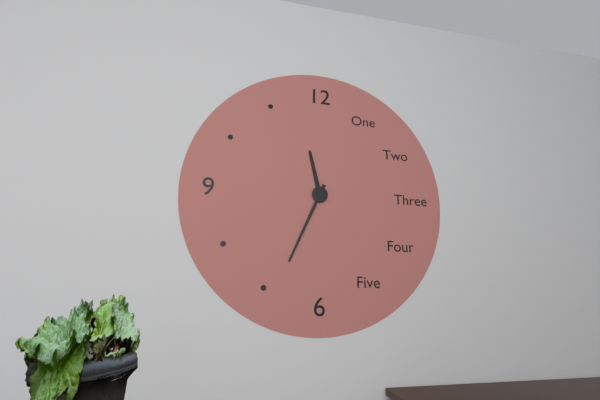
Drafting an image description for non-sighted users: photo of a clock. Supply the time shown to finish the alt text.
11:34
